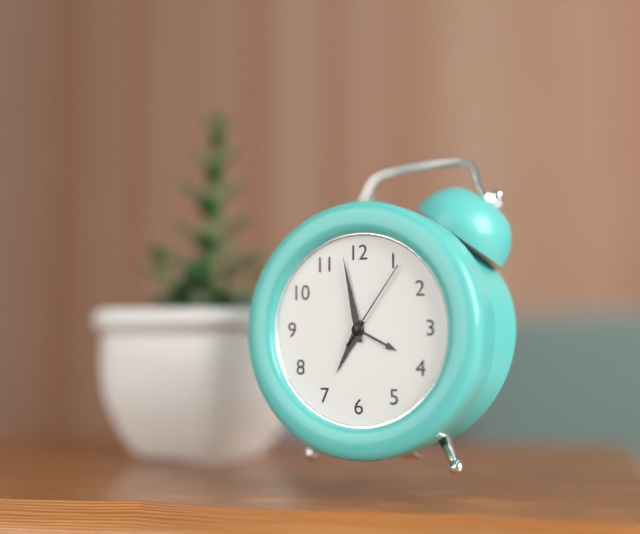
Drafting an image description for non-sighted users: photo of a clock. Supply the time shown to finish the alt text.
6:58:06
